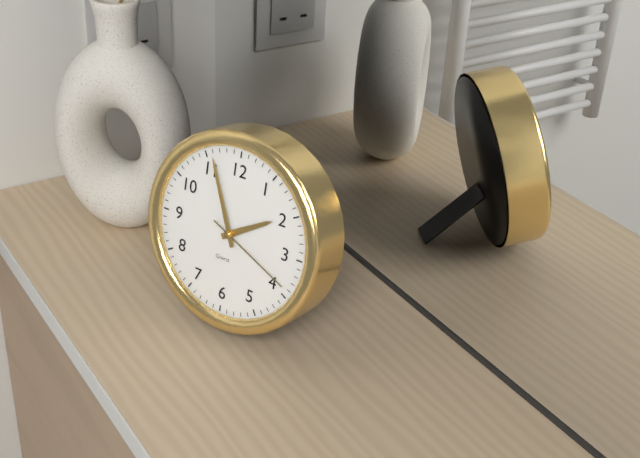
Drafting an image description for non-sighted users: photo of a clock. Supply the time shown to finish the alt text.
1:56:19
